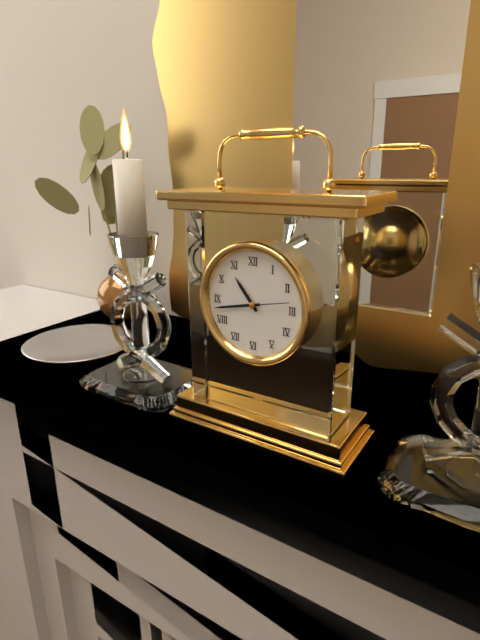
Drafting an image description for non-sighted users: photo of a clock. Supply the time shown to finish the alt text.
10:43
